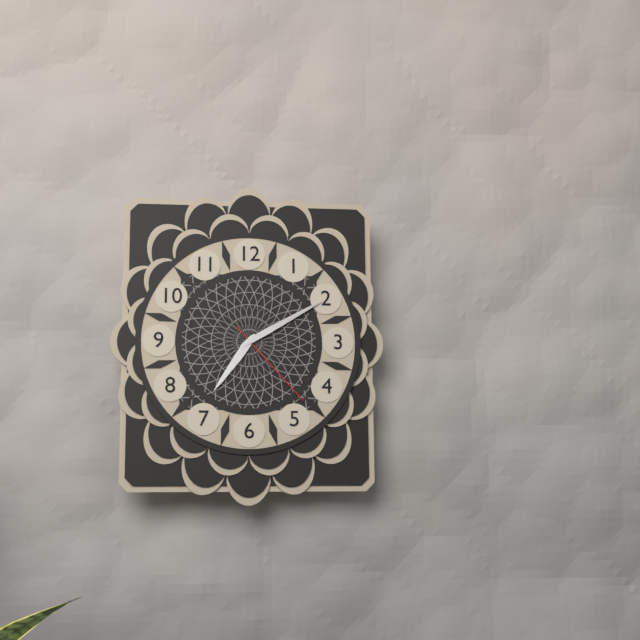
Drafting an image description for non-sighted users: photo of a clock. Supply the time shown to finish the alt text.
7:10:23
